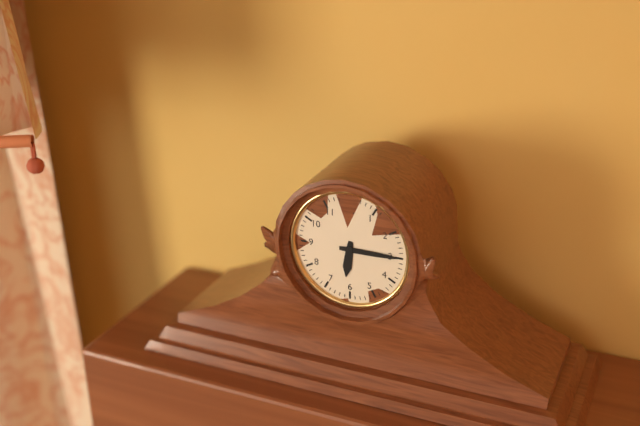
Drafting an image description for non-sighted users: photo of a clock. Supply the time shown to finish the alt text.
6:15
